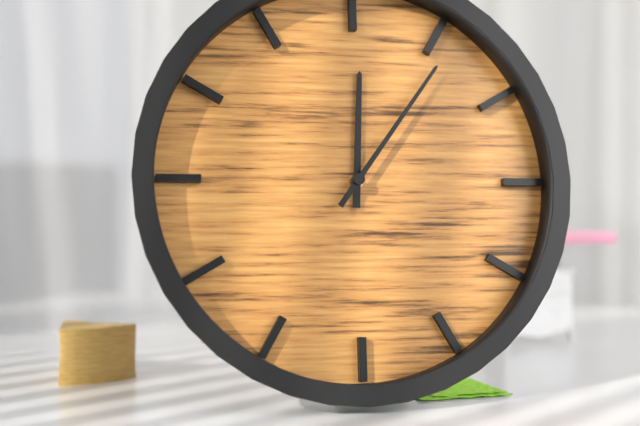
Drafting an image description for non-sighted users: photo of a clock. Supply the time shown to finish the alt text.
12:06
